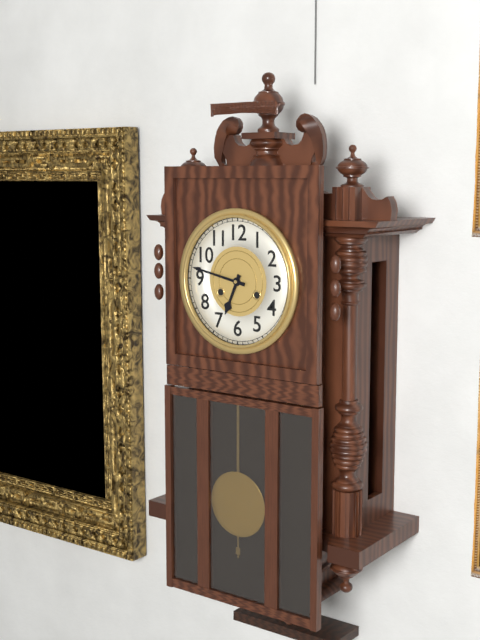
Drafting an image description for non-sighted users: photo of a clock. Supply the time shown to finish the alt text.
6:47
